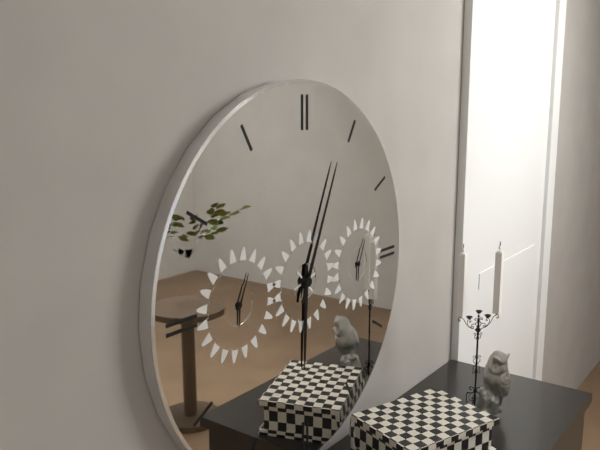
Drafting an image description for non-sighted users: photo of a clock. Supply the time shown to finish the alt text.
6:04
